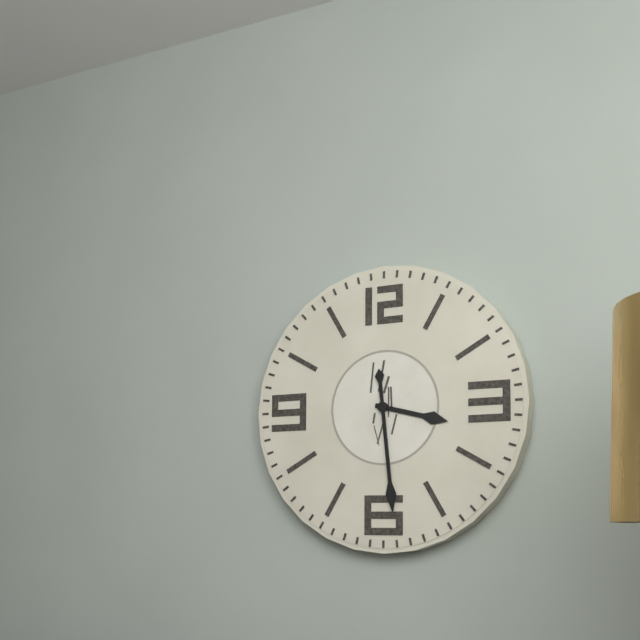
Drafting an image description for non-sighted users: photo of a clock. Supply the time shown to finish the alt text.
3:29
